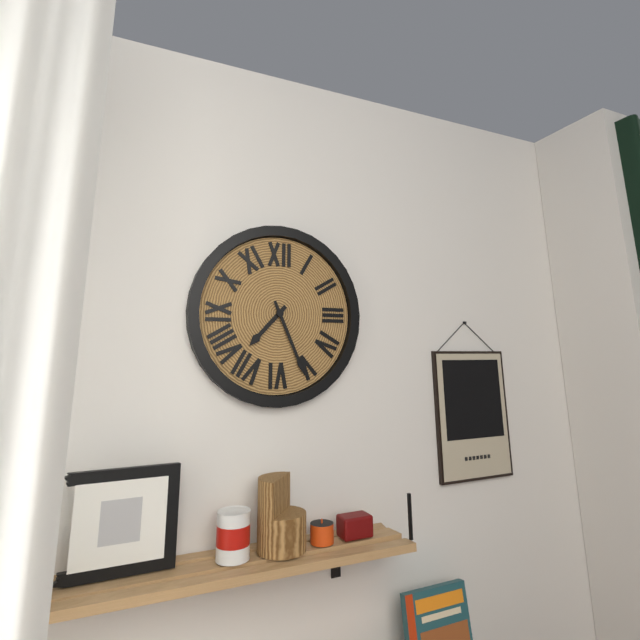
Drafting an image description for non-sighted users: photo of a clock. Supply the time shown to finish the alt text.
7:26
